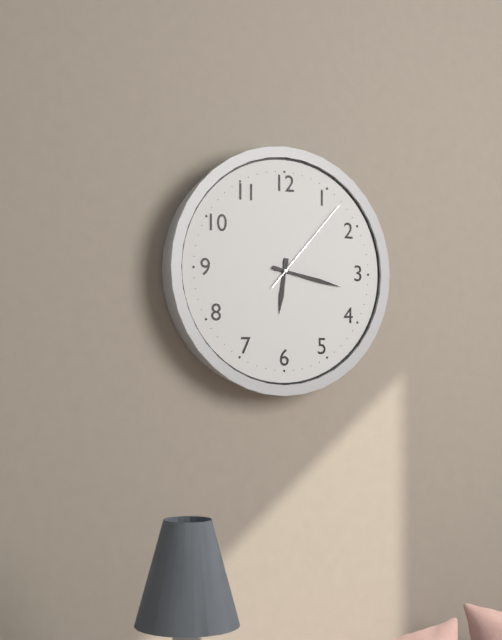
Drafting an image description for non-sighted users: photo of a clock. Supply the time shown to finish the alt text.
6:17:07
